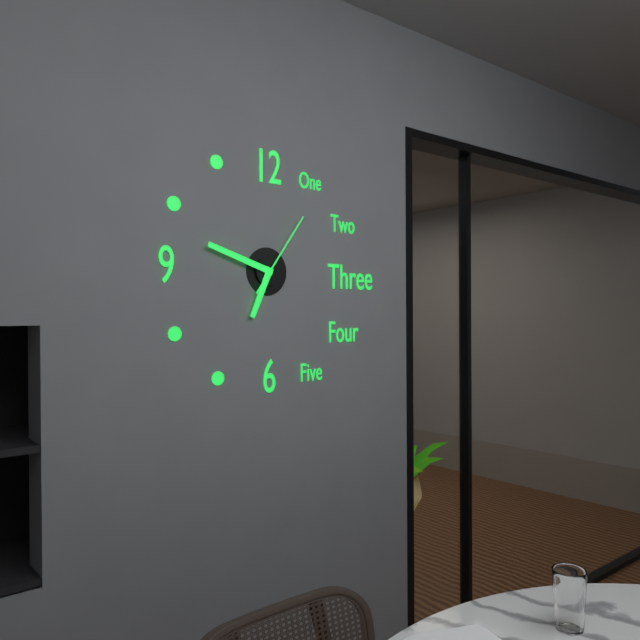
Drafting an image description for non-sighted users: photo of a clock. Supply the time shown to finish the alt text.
6:48:06
